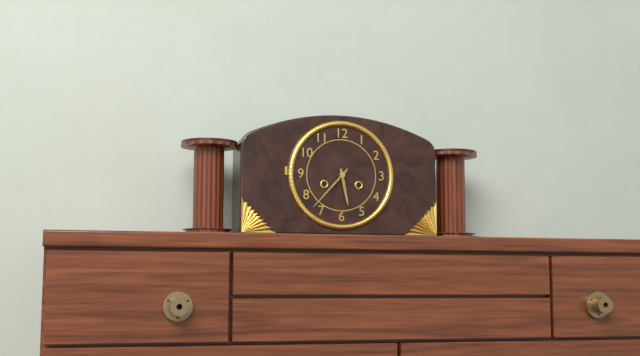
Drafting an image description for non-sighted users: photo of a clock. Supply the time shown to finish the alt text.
5:37
